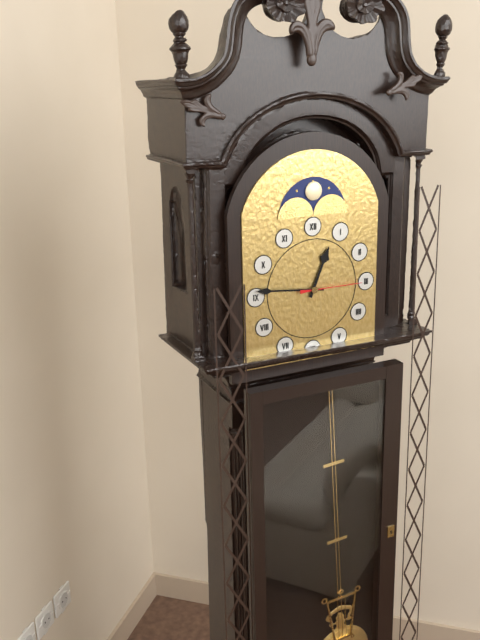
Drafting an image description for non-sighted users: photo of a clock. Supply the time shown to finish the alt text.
12:46:15
